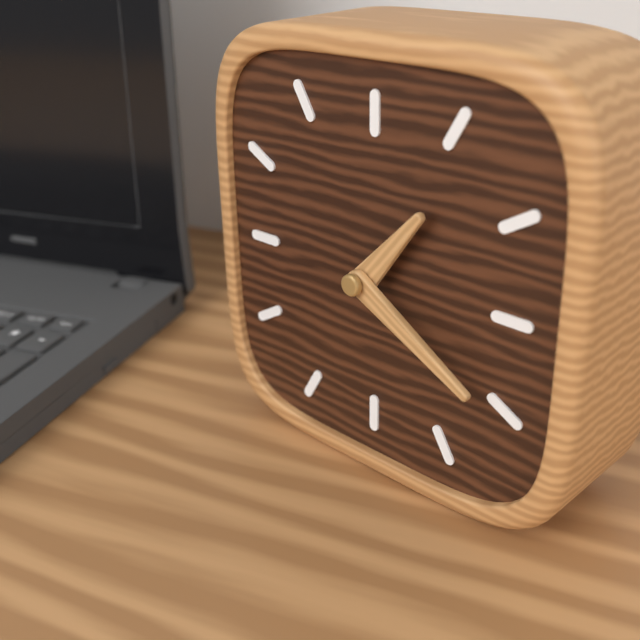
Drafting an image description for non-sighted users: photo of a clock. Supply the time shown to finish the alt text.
1:20
